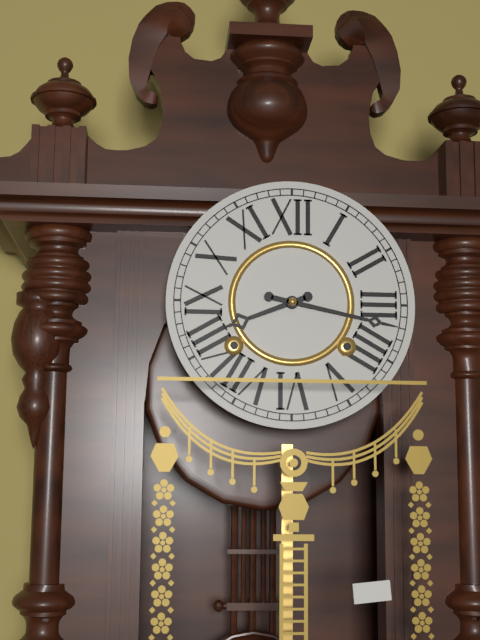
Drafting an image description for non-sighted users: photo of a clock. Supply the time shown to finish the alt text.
8:17
